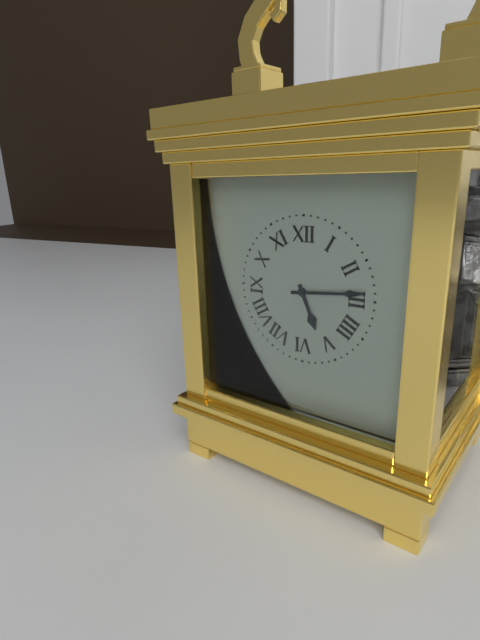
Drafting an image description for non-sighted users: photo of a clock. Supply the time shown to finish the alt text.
5:14
